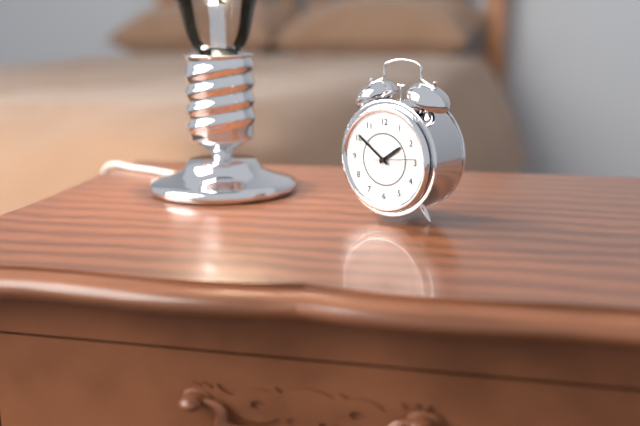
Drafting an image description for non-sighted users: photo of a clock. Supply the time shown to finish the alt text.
1:51
